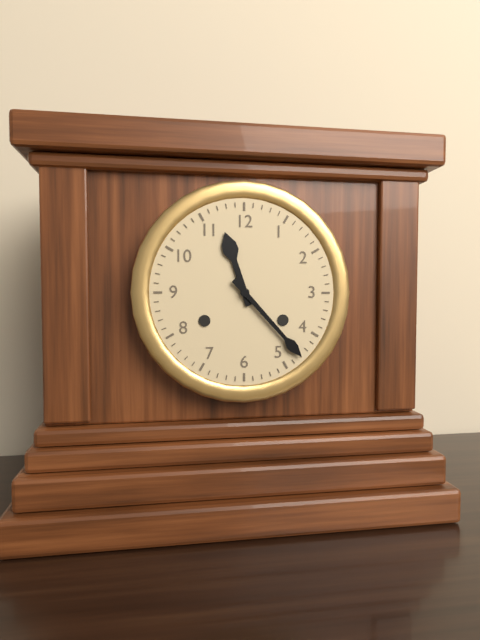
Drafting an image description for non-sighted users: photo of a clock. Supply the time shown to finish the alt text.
11:23
